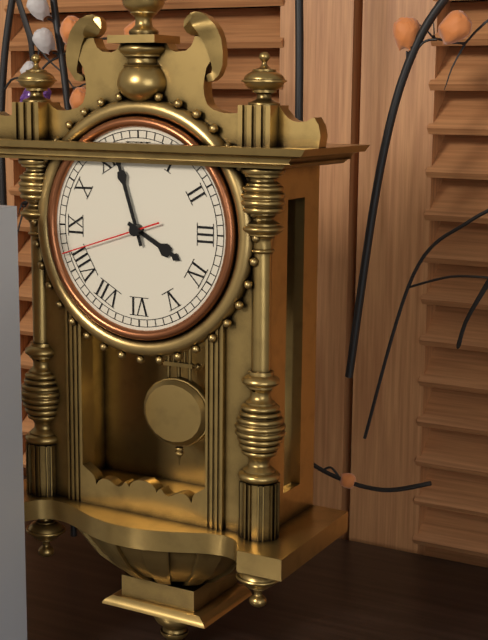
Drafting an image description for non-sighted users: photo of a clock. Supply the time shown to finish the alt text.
3:57:42
